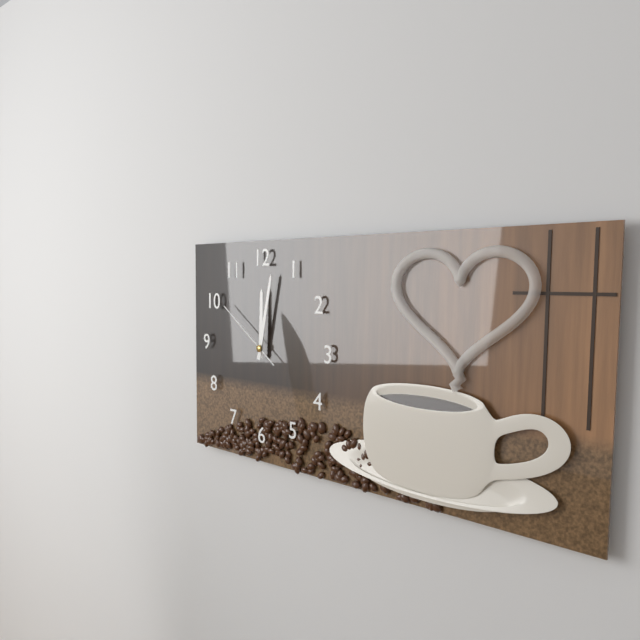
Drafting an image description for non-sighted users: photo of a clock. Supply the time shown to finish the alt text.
12:02:51
